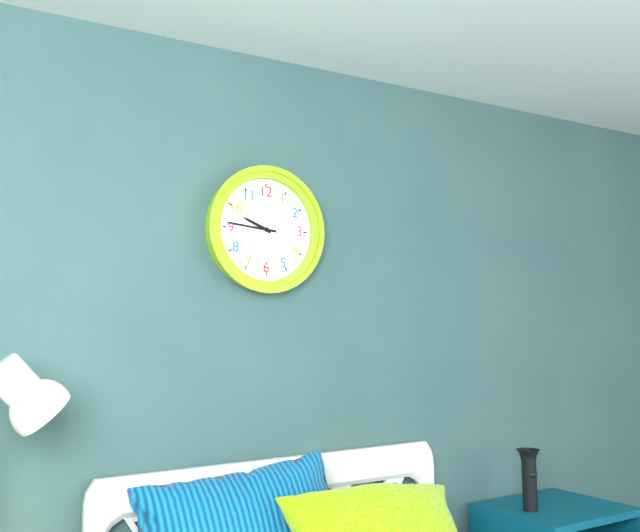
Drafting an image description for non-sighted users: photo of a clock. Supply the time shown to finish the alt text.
9:46
